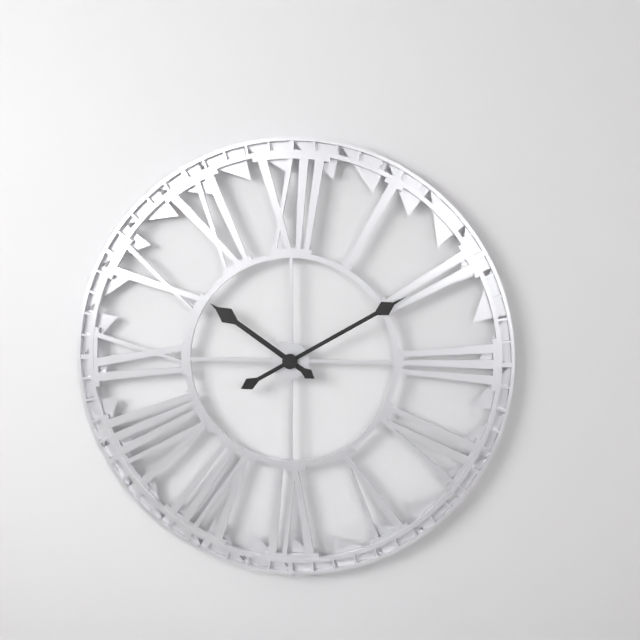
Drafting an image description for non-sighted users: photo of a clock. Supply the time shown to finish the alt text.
10:10
